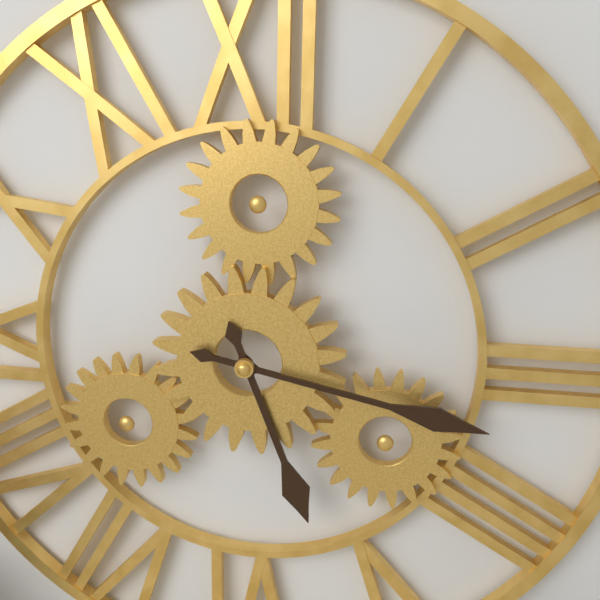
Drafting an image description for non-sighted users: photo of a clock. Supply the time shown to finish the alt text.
5:17
